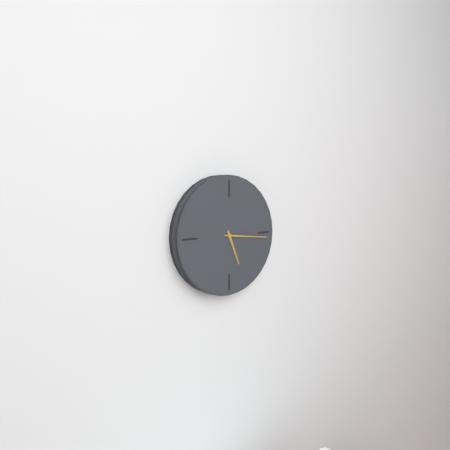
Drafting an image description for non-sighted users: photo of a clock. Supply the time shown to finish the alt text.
5:16
